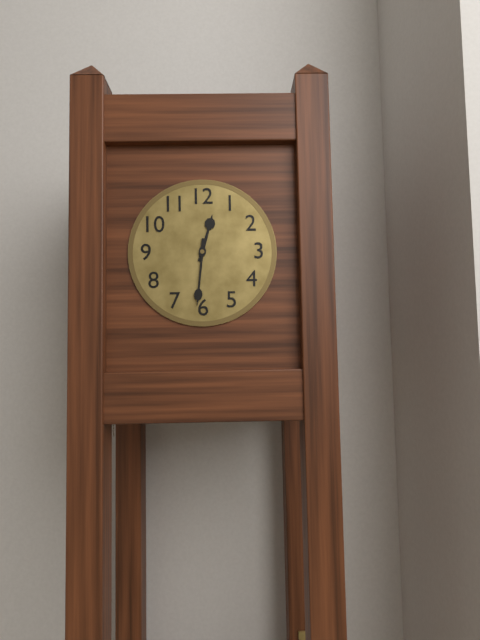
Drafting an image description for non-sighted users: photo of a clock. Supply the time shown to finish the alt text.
12:31
